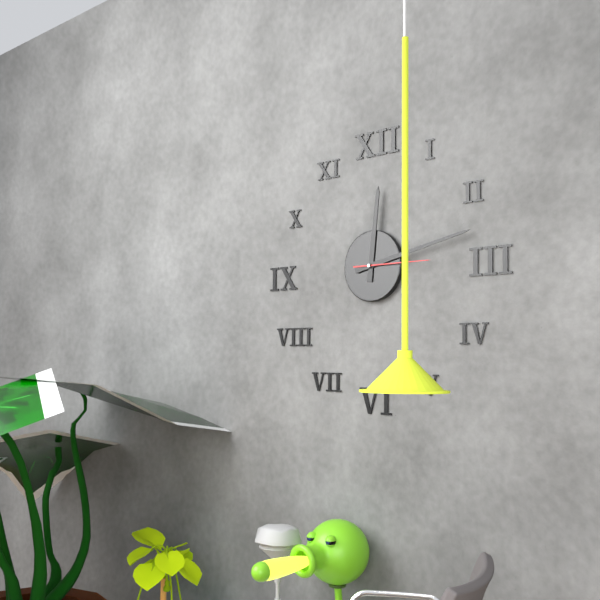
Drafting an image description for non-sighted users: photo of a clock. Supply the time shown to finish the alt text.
12:13:15
